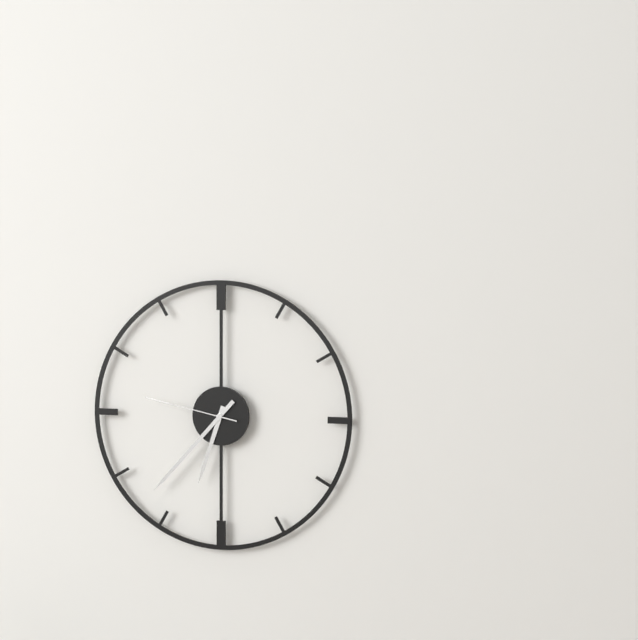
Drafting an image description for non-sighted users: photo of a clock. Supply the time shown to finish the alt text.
6:37:47
